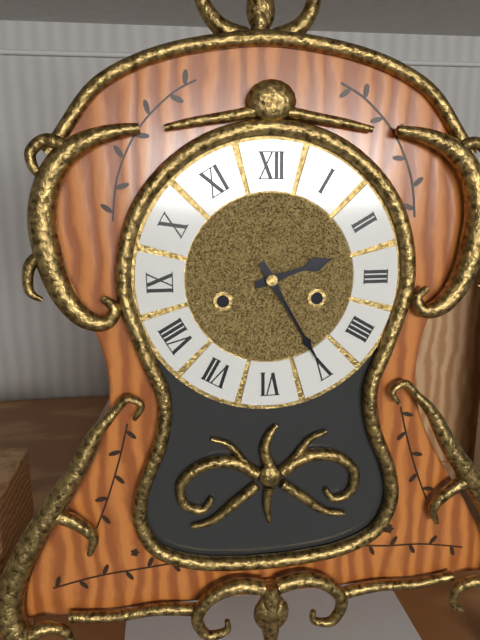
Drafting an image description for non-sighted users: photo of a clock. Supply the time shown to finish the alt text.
2:25
